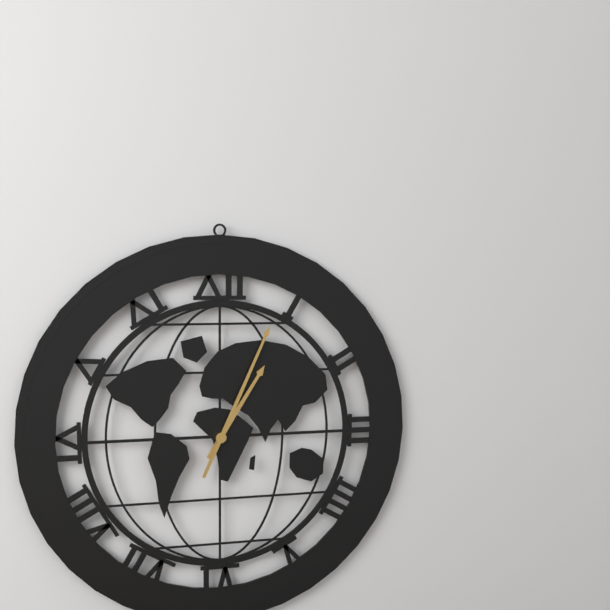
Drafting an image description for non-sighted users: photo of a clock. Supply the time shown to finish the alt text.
1:04
